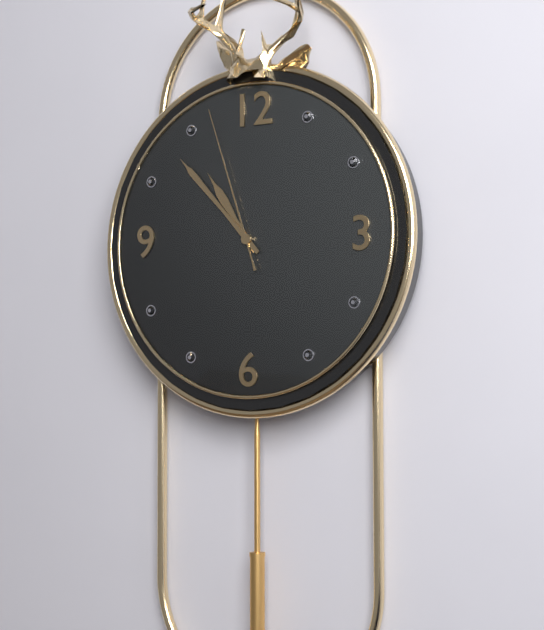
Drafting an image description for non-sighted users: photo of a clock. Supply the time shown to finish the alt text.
10:53:57
